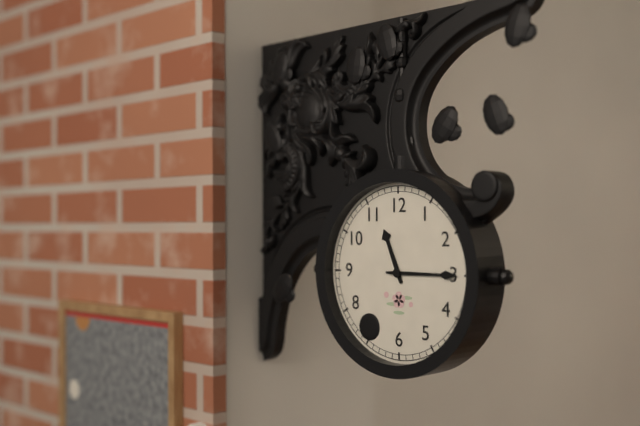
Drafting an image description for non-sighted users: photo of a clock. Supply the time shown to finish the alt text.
11:15
